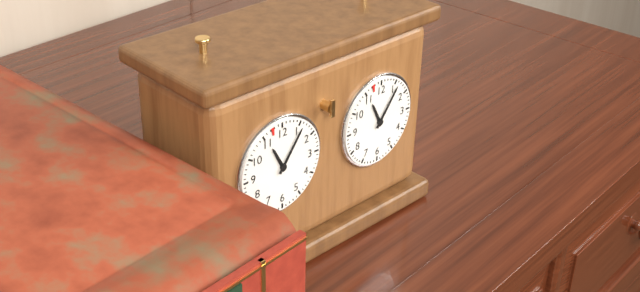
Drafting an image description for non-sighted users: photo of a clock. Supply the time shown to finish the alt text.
11:06
